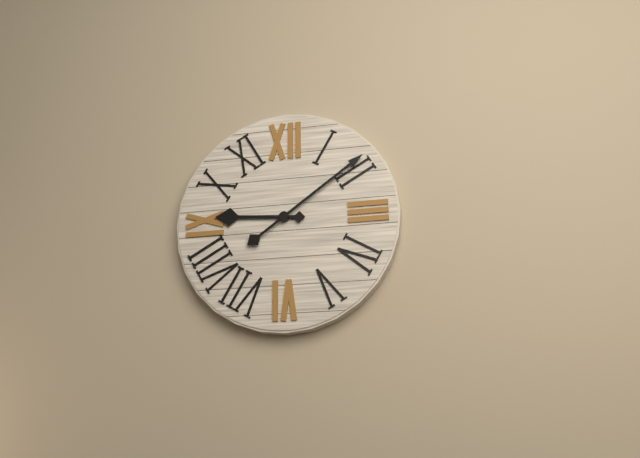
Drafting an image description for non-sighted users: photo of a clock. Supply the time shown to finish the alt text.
9:09
